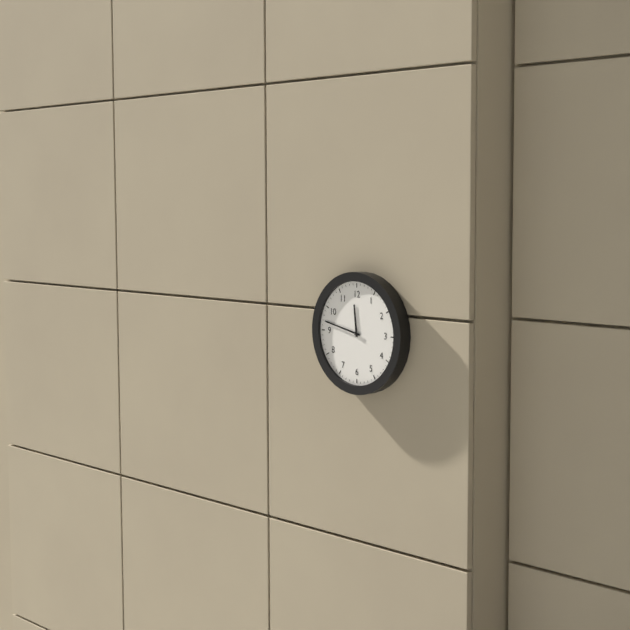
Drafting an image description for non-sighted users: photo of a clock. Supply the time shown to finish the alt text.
11:47
